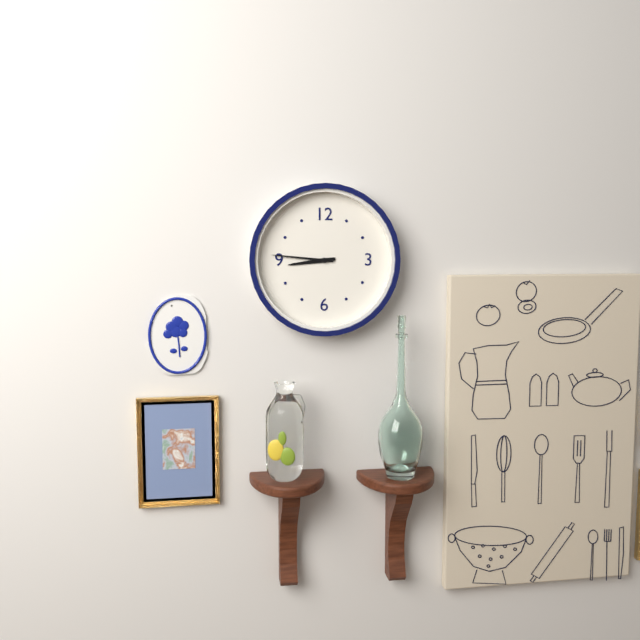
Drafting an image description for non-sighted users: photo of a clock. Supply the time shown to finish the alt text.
8:46
